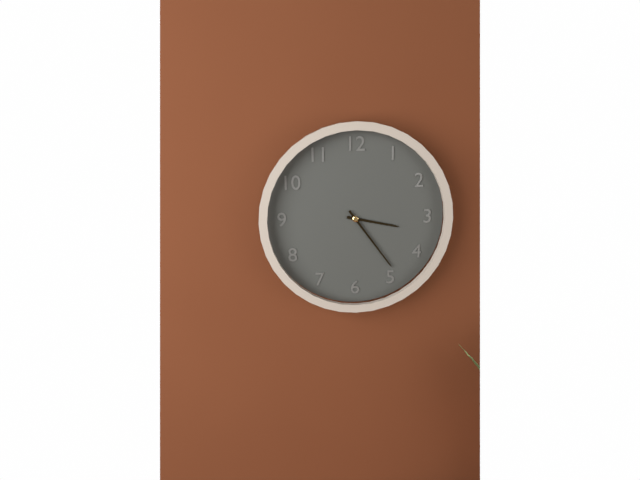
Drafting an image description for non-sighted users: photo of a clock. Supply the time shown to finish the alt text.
3:24
